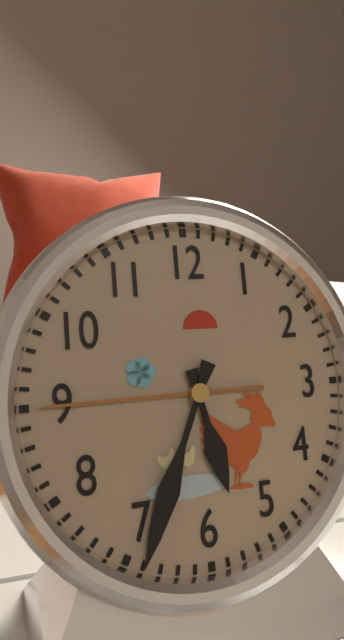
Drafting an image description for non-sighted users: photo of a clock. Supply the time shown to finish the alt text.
5:34
